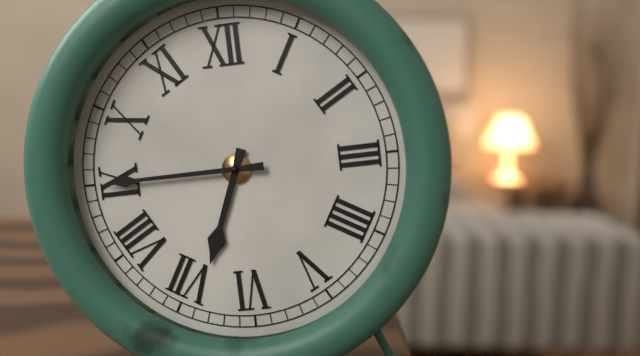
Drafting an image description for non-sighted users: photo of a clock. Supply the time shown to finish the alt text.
6:45
